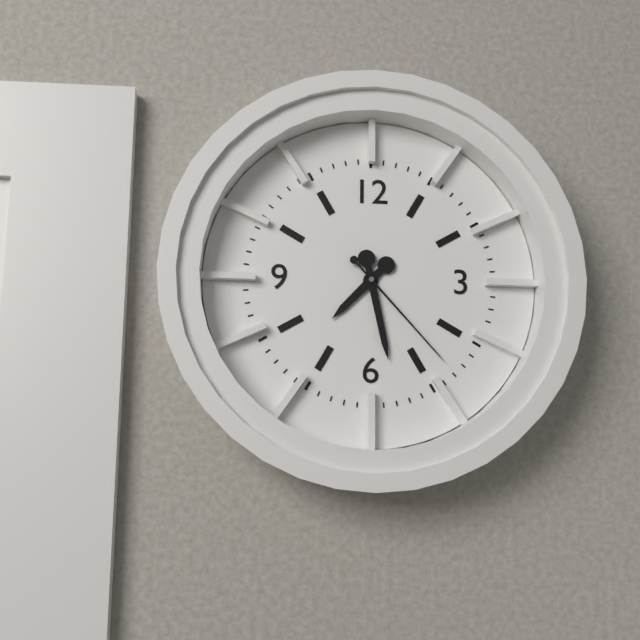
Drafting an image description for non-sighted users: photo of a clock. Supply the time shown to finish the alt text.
7:28:23
